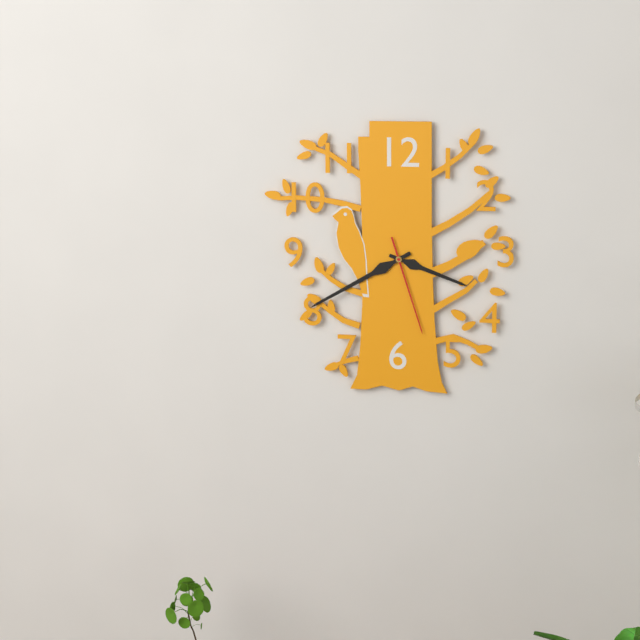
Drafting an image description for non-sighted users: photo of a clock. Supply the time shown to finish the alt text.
3:40:27
